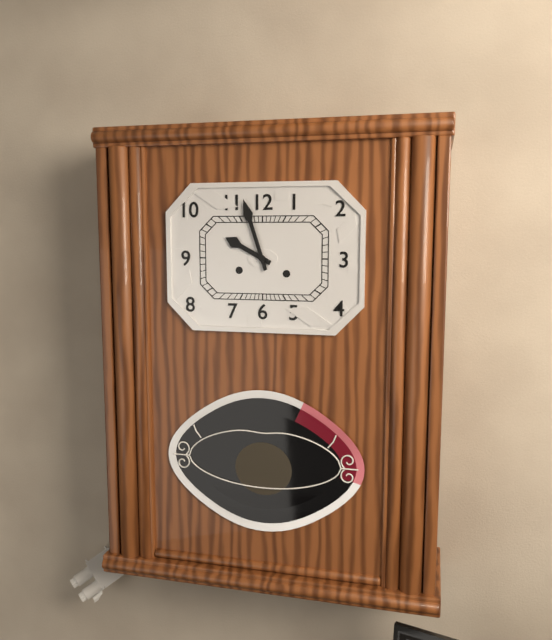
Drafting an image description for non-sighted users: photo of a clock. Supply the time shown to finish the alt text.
9:57
